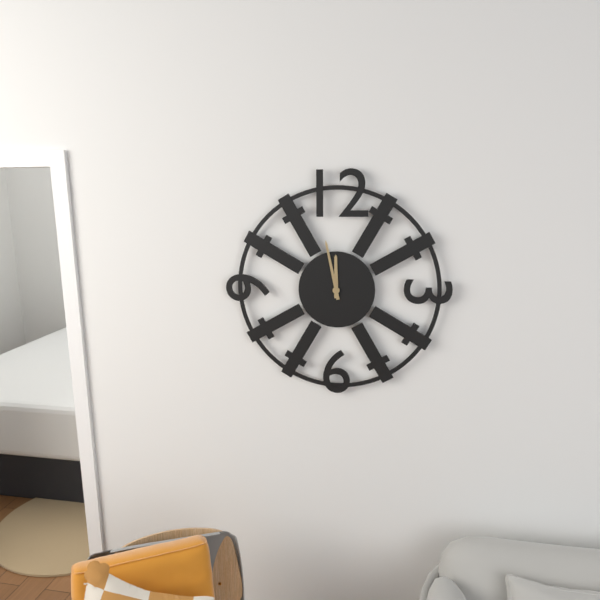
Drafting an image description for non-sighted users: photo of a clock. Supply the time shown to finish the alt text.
11:58
